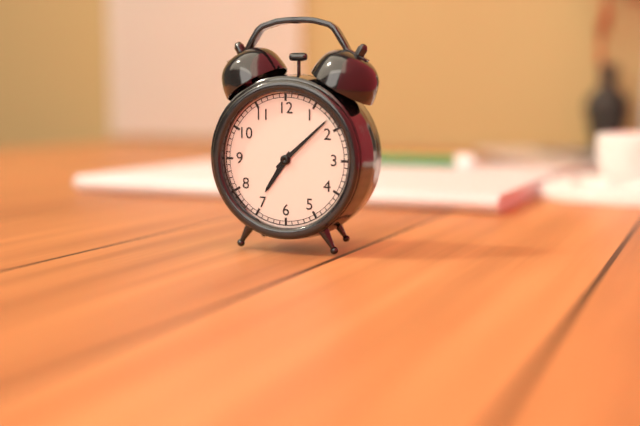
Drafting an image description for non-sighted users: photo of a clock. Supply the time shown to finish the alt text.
7:08
